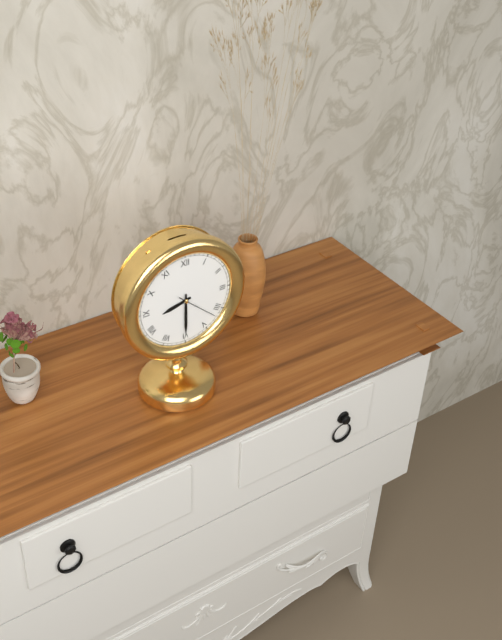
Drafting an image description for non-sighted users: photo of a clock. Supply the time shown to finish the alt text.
8:30
